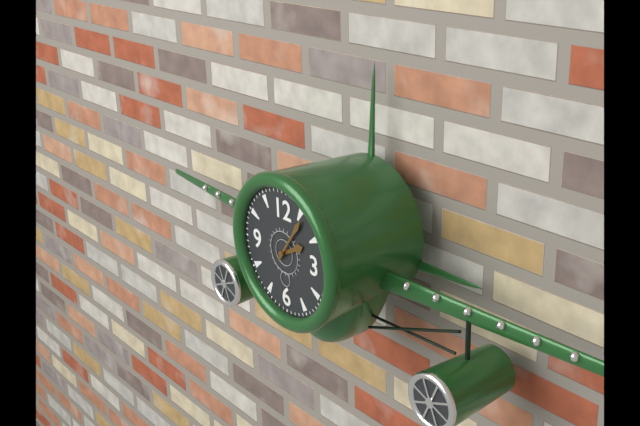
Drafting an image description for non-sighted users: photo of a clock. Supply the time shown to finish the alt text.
2:06
